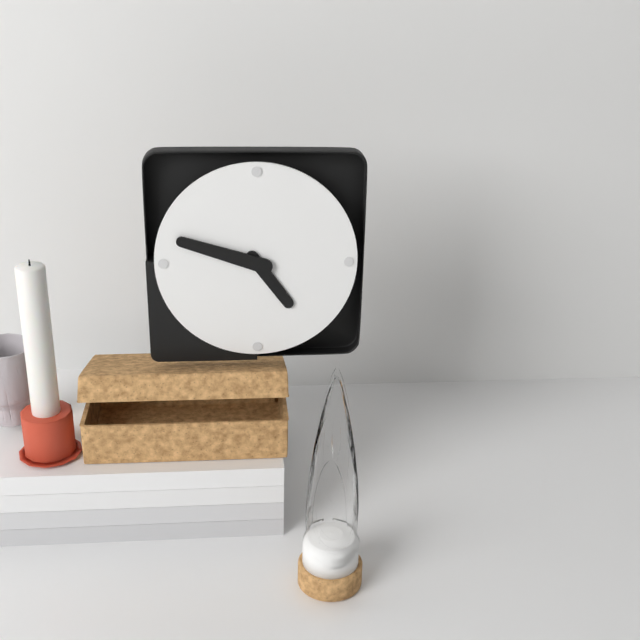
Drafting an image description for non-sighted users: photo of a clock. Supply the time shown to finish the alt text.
4:48
